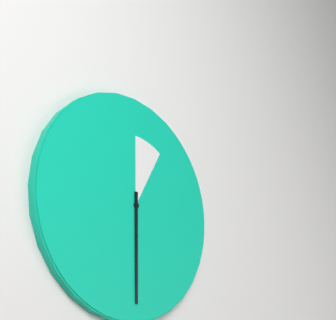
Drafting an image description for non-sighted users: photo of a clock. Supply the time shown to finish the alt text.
12:30
